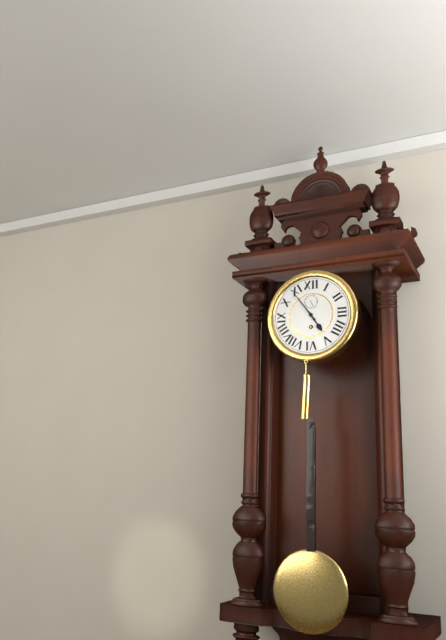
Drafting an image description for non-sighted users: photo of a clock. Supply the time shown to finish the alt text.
4:54
